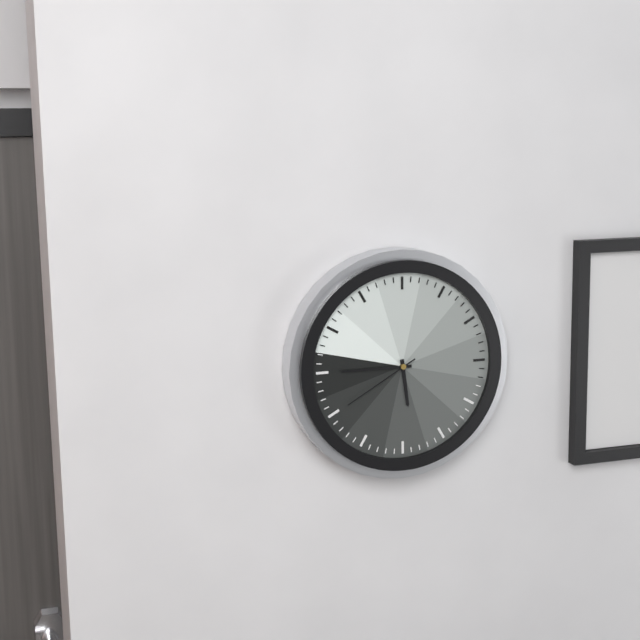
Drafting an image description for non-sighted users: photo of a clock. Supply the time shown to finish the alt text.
5:45:40
